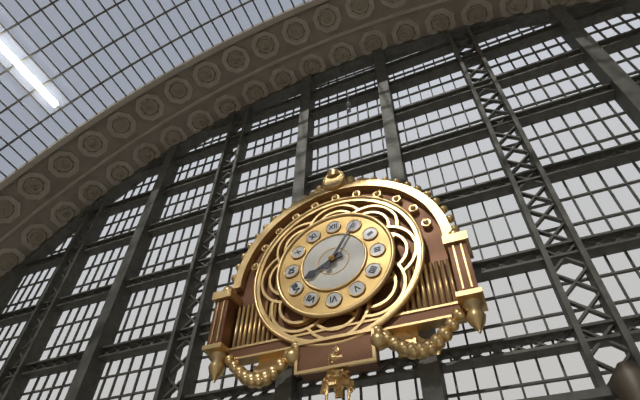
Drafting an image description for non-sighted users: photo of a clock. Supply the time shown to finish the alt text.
8:05
